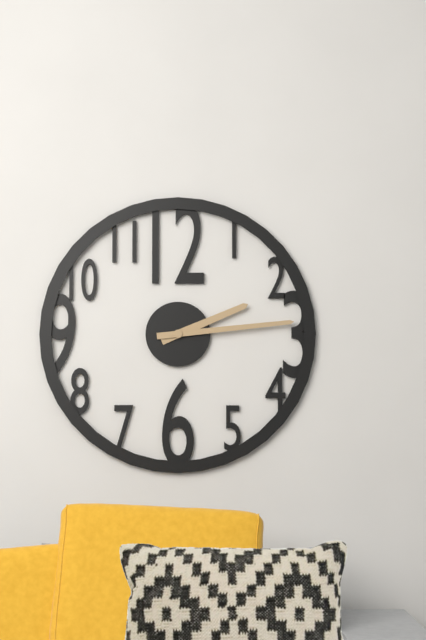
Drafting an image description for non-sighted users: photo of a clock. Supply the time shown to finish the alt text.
2:14
